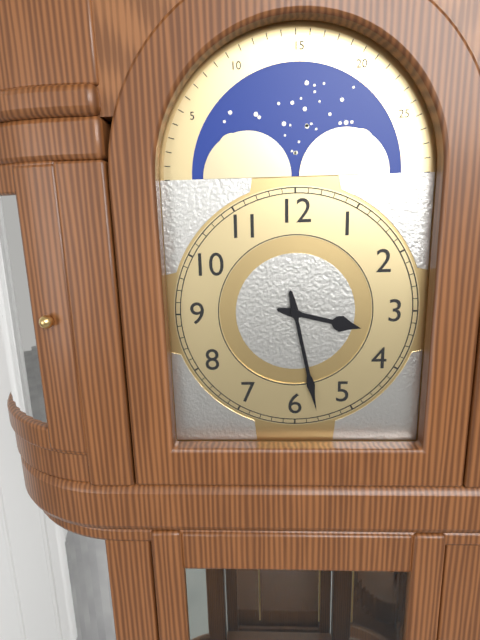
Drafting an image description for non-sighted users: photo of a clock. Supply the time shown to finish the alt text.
3:28
